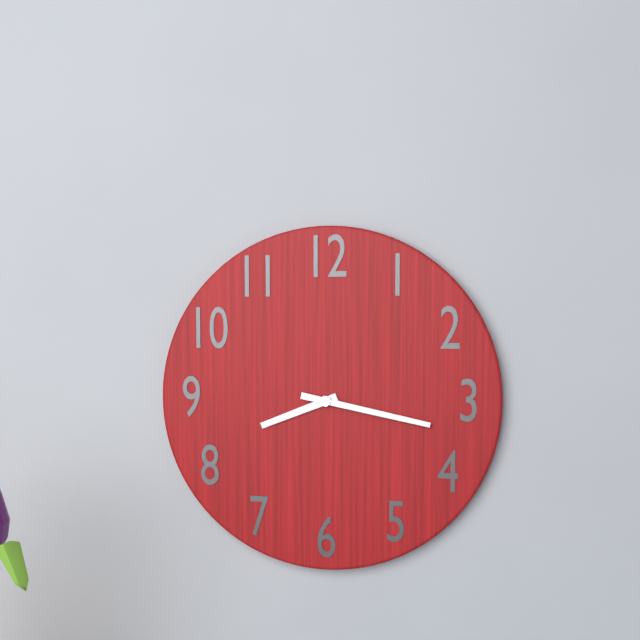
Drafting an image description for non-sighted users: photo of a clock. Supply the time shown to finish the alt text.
8:17
